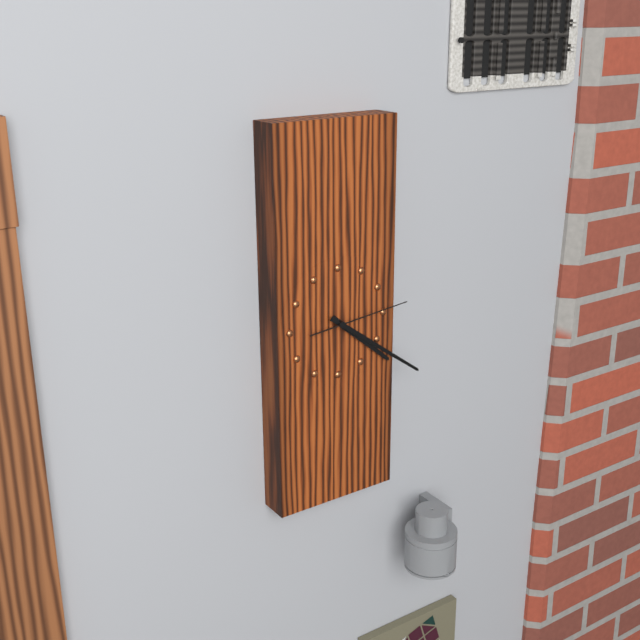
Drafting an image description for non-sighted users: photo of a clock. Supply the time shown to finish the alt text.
4:21:14
